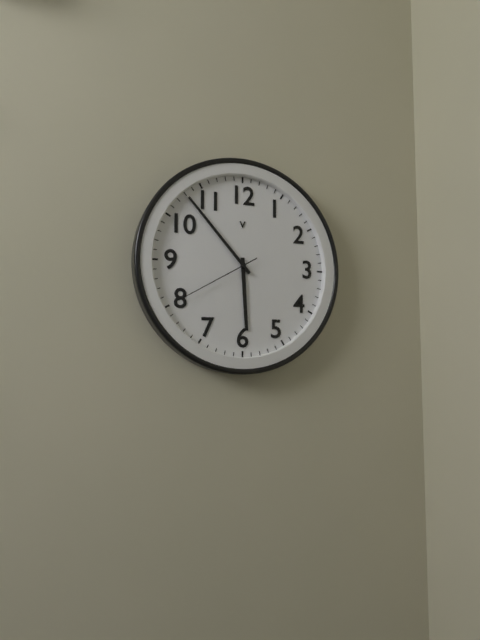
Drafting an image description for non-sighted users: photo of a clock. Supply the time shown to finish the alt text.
5:53:40
